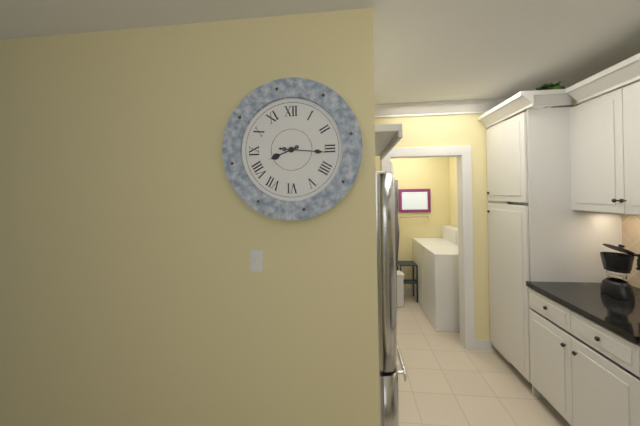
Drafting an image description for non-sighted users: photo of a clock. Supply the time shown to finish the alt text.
8:16
